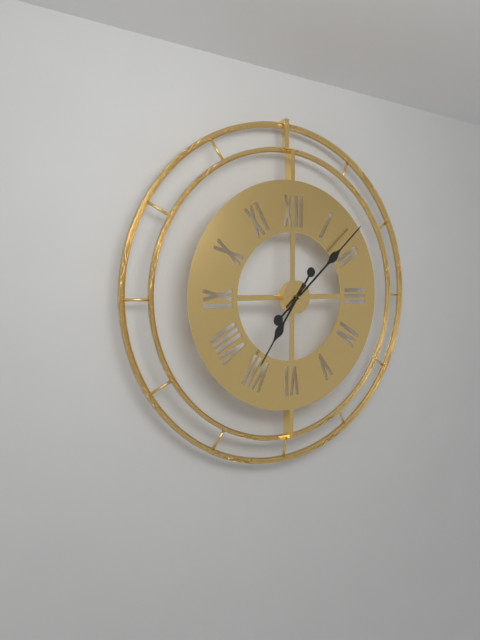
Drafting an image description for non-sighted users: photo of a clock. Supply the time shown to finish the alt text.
7:08
